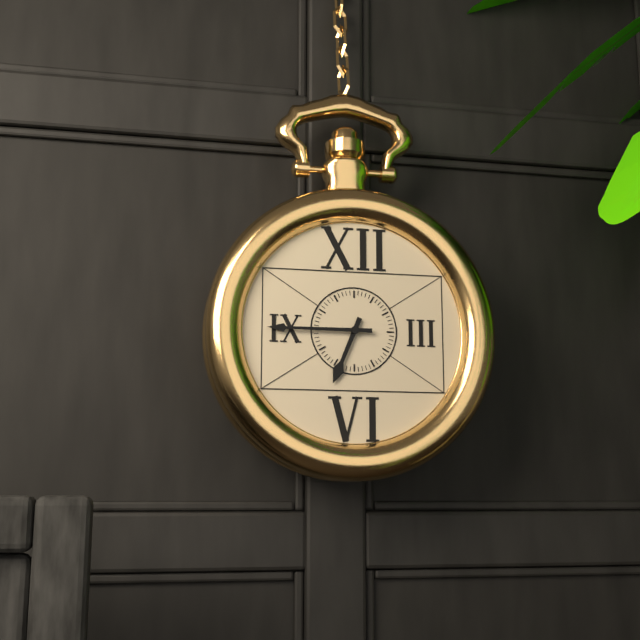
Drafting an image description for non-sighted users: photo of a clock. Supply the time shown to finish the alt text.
6:45
